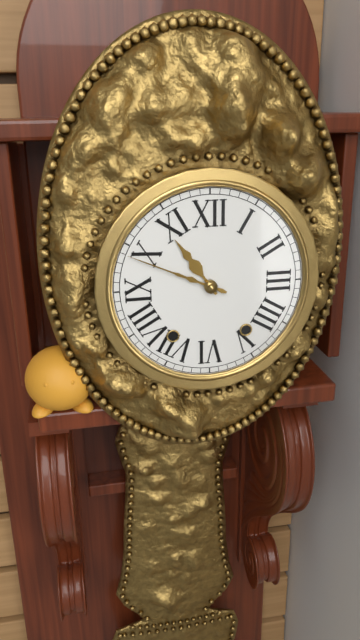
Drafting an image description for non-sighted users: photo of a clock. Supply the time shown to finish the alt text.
10:49
